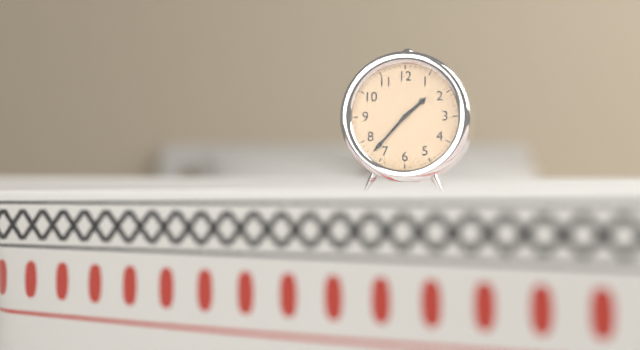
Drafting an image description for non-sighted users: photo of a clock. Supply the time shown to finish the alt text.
1:37
